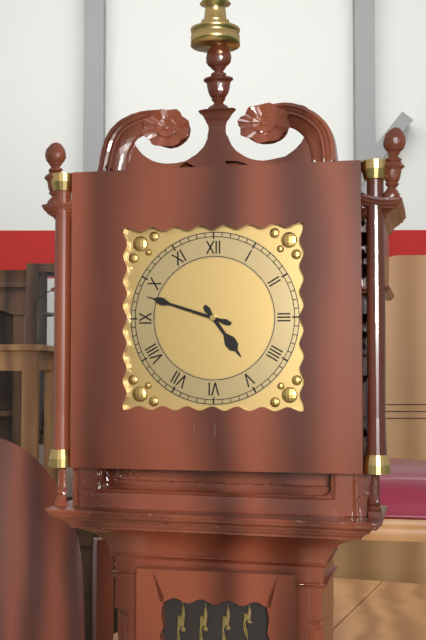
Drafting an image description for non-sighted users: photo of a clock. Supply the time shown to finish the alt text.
4:48
